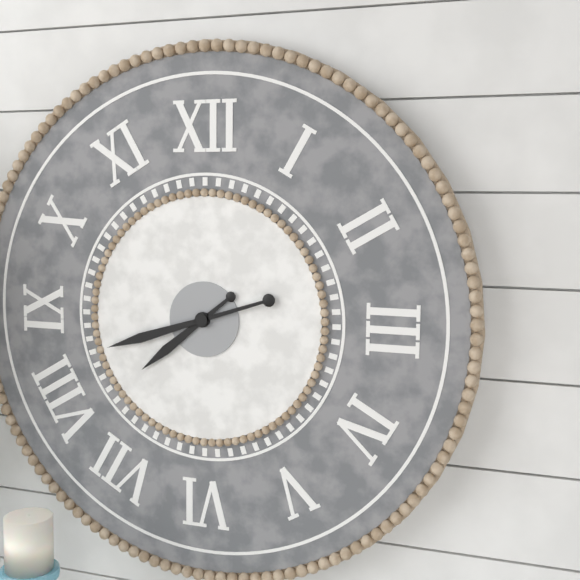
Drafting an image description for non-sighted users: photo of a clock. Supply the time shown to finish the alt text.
7:42
